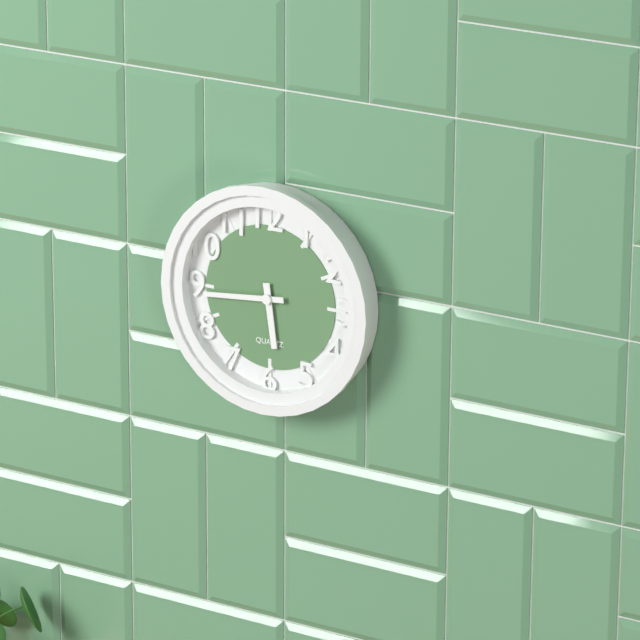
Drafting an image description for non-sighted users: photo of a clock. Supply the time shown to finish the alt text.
5:44
